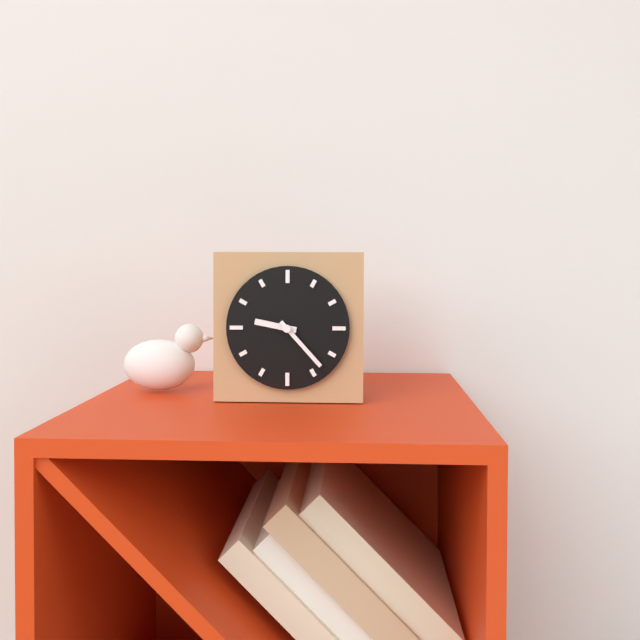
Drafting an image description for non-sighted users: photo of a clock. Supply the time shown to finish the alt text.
9:23
